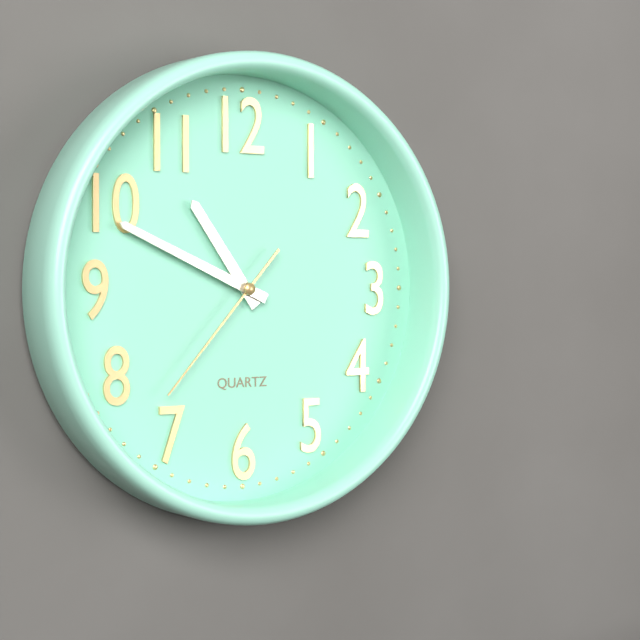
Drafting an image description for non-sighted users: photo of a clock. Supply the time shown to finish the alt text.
10:49:37
